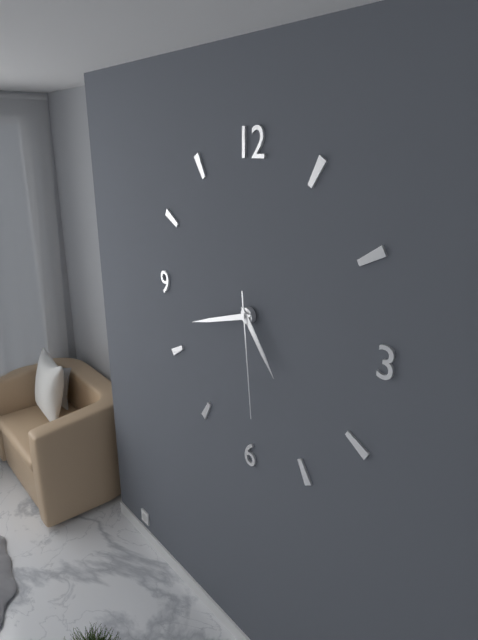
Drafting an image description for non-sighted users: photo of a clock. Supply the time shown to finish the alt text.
4:42:29
